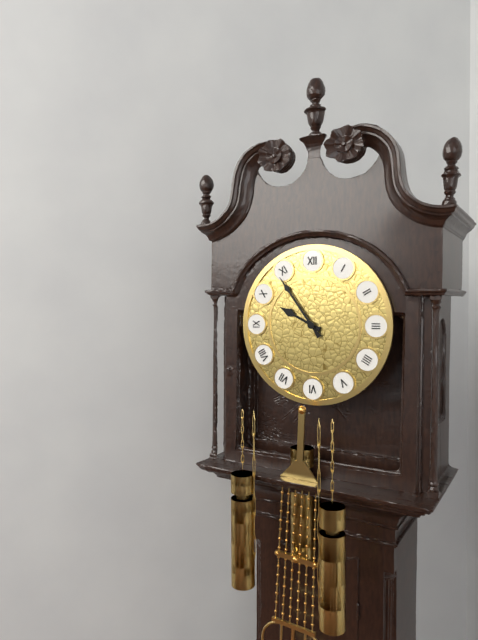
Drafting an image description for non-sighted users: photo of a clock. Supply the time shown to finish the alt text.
9:54
